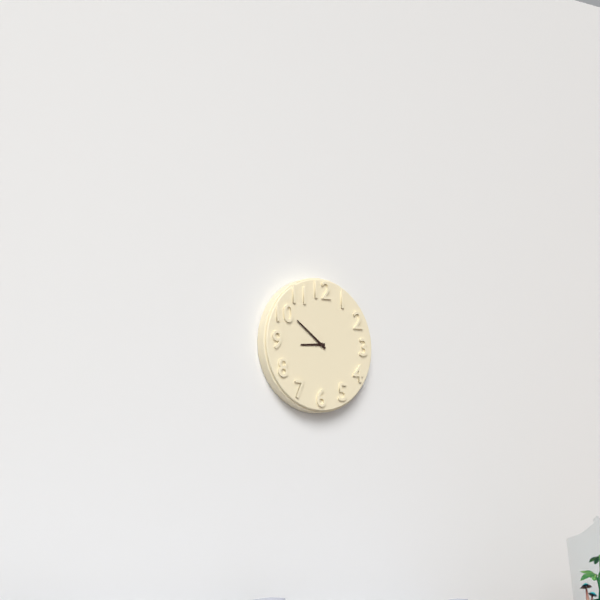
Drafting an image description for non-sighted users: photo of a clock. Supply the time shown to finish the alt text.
8:51
